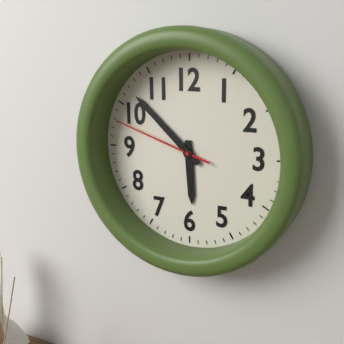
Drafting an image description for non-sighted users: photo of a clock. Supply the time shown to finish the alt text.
5:52:48
